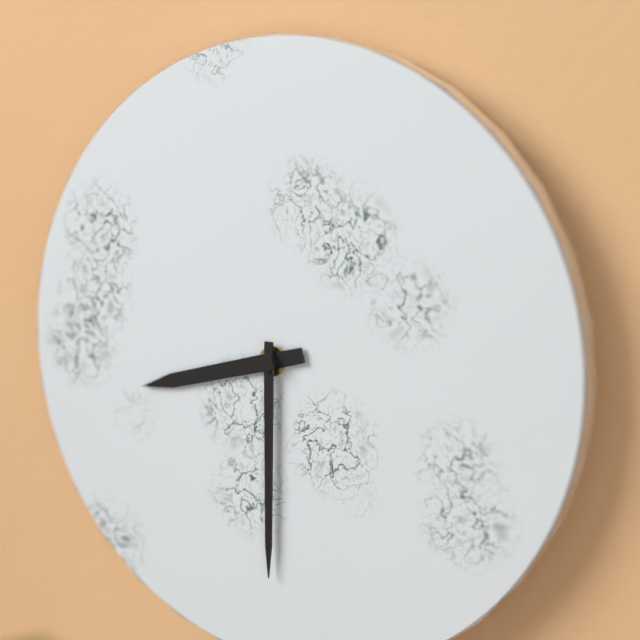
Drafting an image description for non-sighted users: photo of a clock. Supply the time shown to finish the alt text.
8:30
